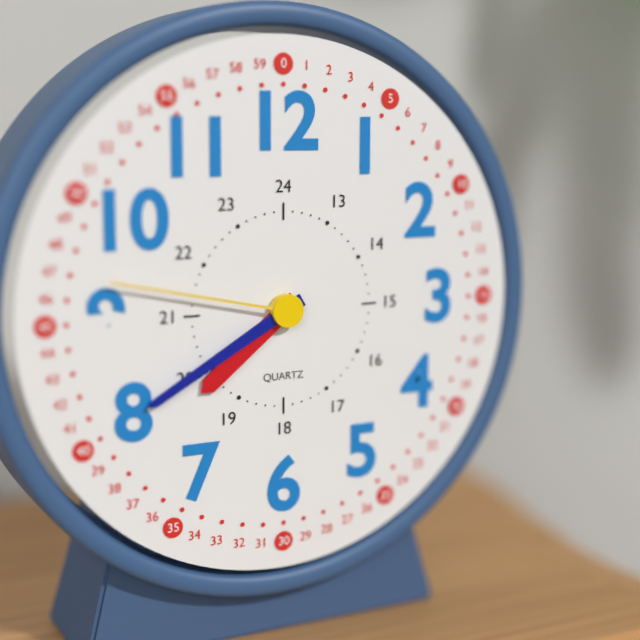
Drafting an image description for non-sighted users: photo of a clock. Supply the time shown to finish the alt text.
7:40:47
